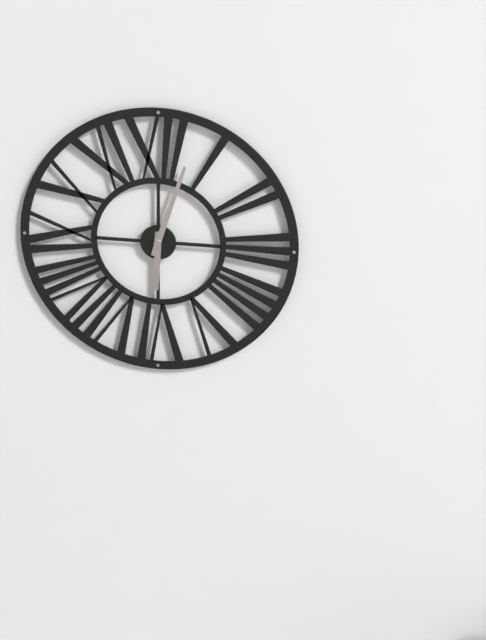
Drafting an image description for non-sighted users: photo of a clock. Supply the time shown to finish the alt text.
6:03
